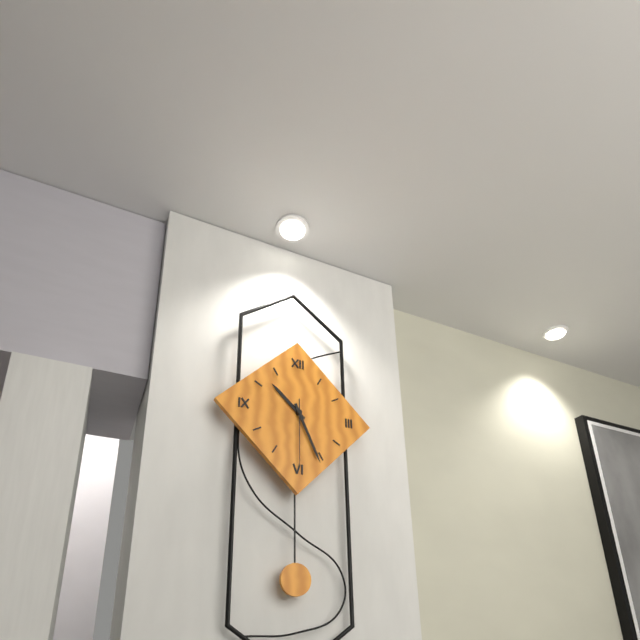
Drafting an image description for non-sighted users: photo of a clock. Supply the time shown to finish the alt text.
10:26:30
